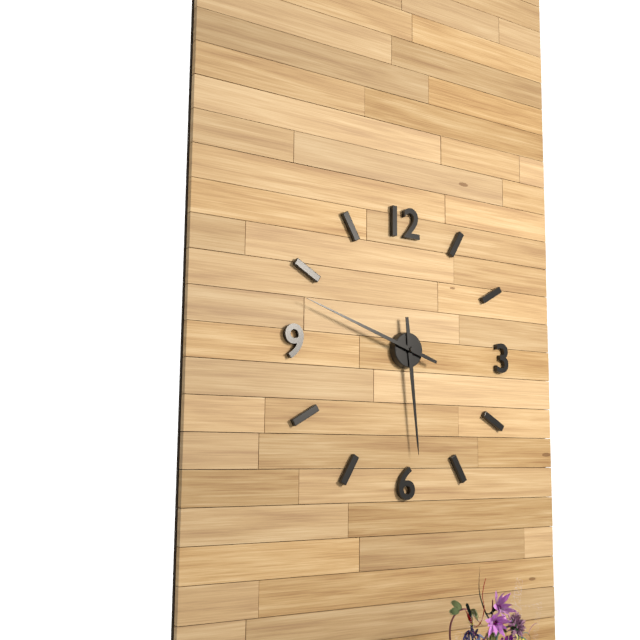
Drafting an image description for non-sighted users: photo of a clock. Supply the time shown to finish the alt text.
5:48
